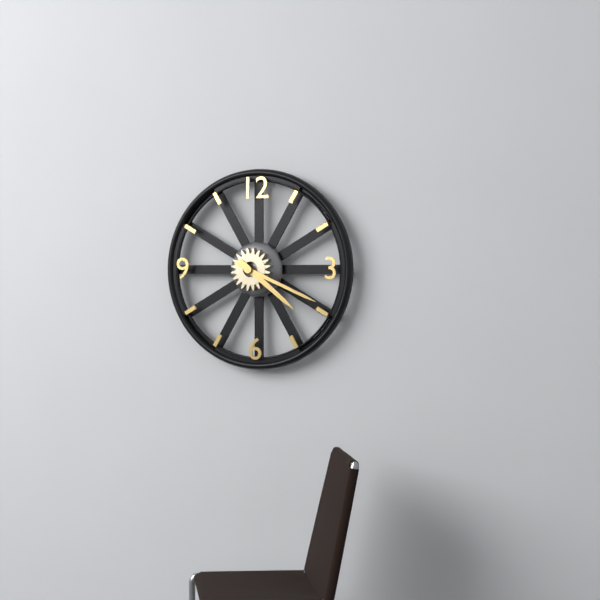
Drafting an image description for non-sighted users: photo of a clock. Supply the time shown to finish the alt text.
4:19
